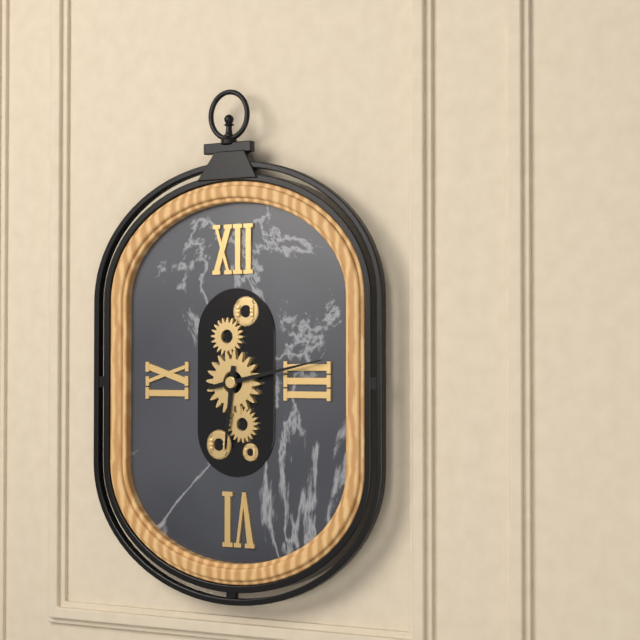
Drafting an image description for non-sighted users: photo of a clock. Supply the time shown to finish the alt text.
6:13
